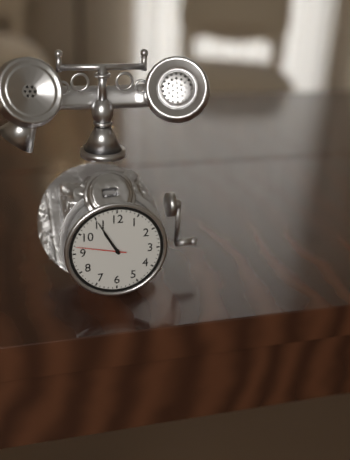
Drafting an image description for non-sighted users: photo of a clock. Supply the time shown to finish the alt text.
10:55:47
